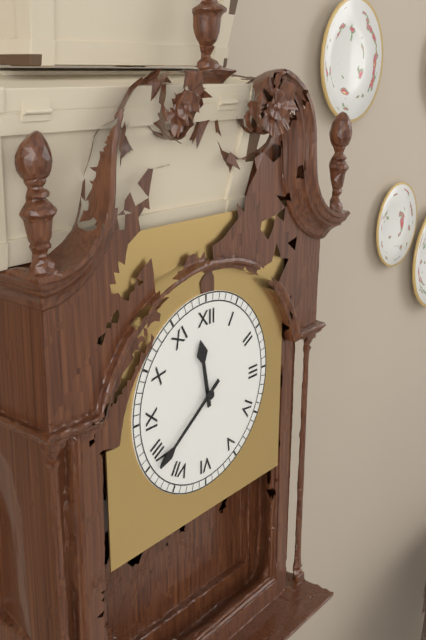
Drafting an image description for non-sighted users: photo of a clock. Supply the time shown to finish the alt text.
11:39
